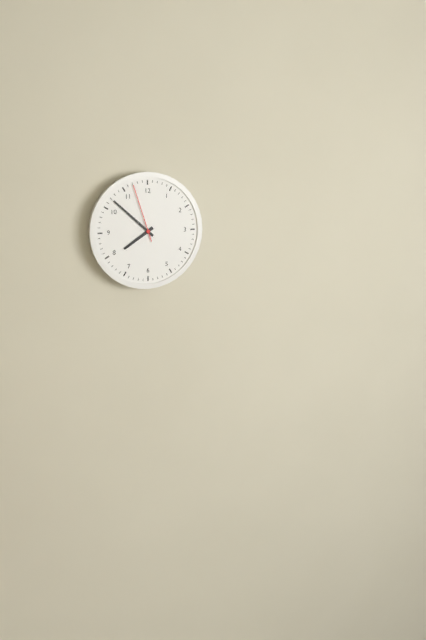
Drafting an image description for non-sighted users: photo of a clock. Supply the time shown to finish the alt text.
7:52:57
